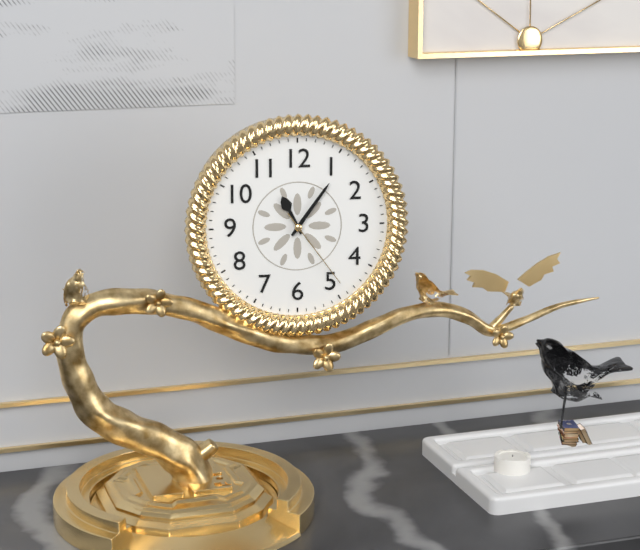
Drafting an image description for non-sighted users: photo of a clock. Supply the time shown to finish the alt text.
11:06:24
